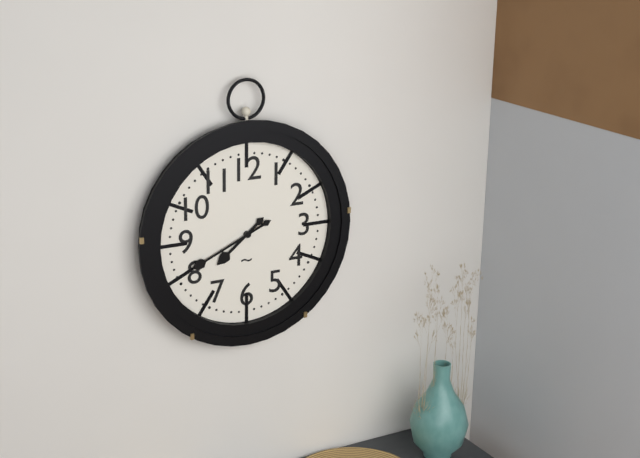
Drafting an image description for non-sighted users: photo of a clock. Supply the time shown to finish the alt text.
7:41
